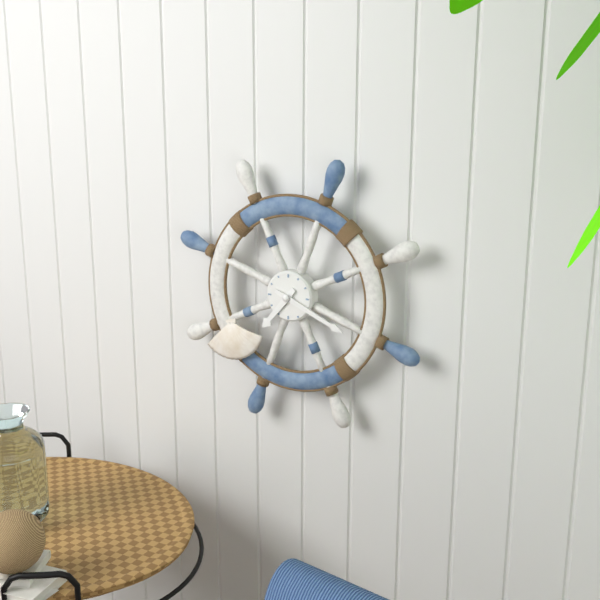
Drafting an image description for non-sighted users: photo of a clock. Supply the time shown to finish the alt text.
7:19
